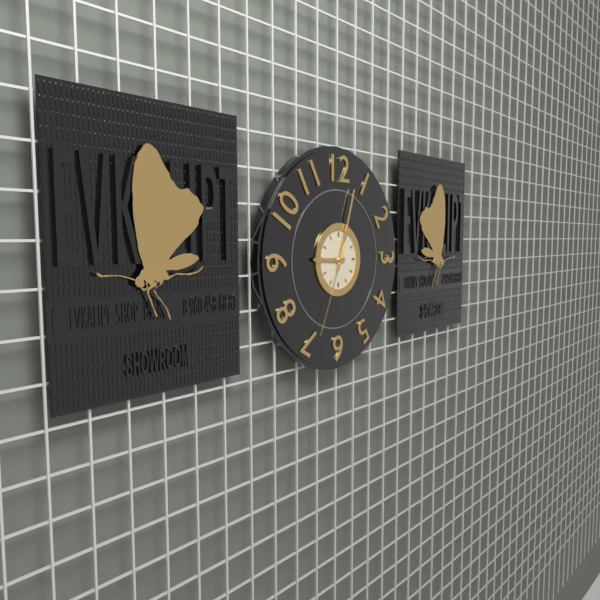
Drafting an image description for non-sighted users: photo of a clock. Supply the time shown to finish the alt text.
9:03:34
